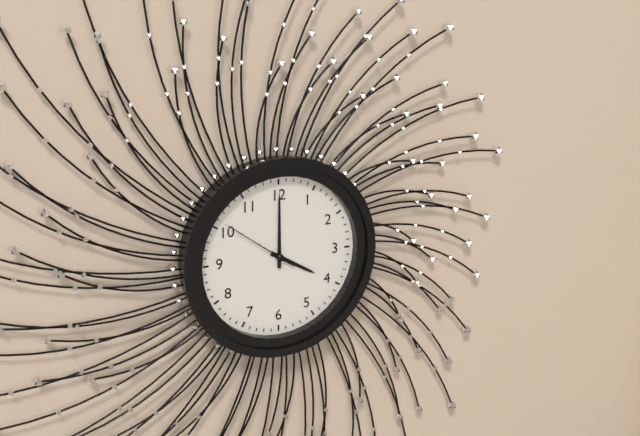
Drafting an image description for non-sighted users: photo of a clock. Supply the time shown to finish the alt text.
4:00:51
